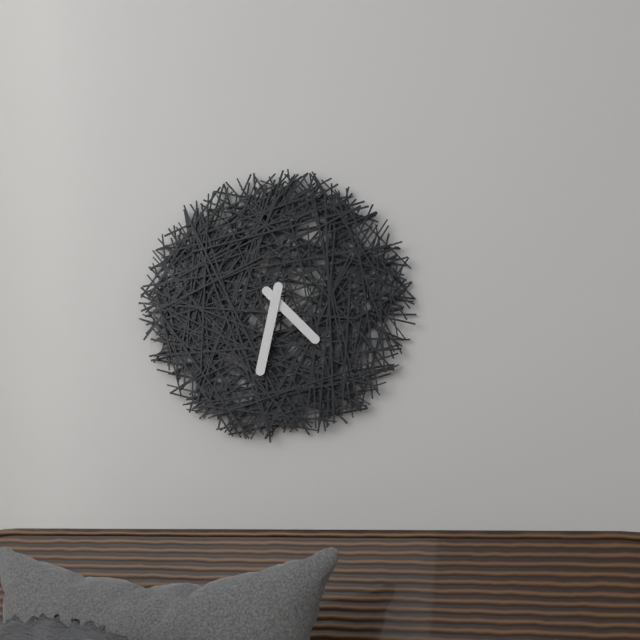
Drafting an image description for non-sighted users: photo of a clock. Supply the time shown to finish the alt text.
4:32
